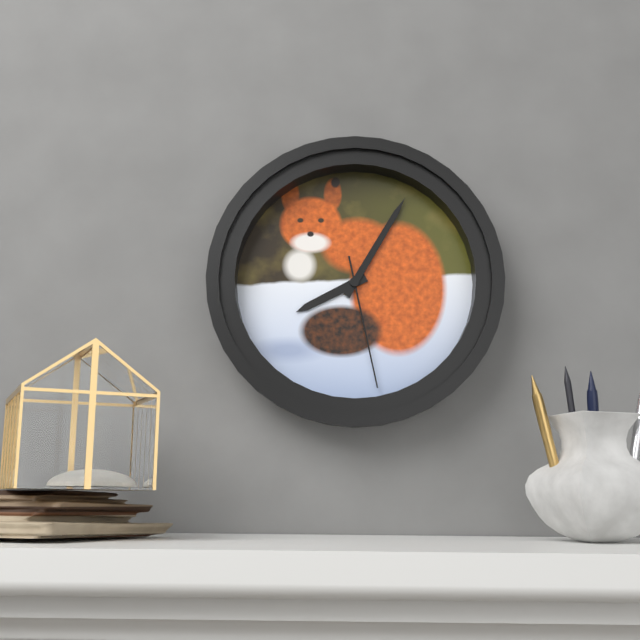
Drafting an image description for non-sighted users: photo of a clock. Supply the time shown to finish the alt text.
8:05:28
